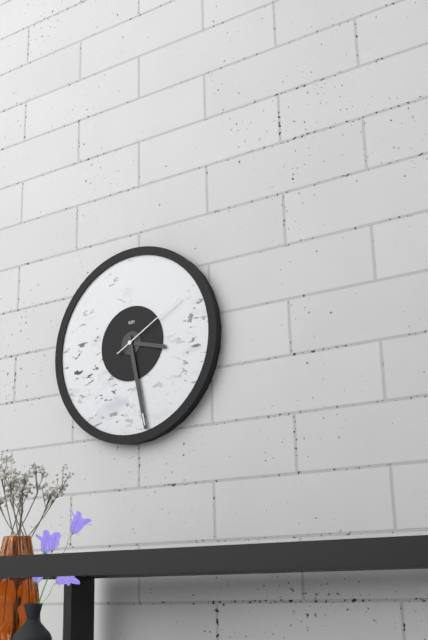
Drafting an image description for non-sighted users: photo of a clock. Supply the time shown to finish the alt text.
3:28:10
